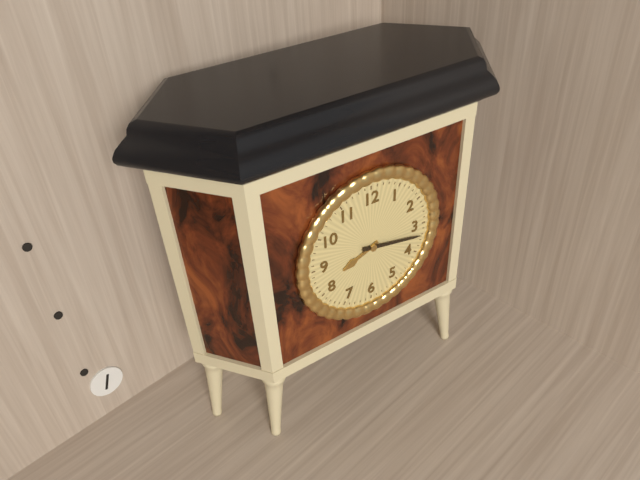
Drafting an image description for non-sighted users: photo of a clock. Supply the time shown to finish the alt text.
8:17
